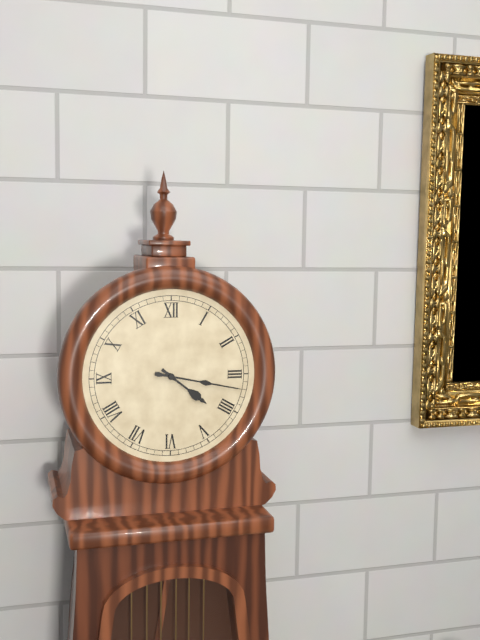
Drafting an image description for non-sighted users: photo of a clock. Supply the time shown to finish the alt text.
4:17
